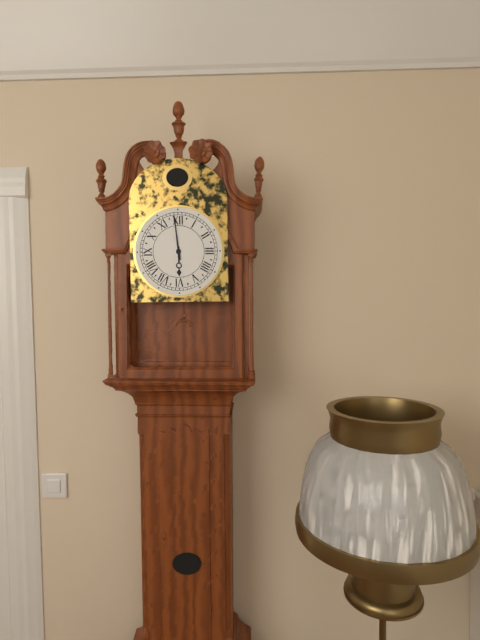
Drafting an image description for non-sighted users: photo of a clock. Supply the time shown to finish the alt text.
5:59
